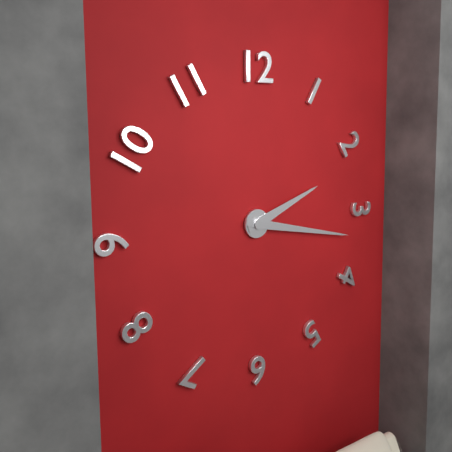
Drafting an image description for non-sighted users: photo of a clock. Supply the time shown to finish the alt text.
2:17
